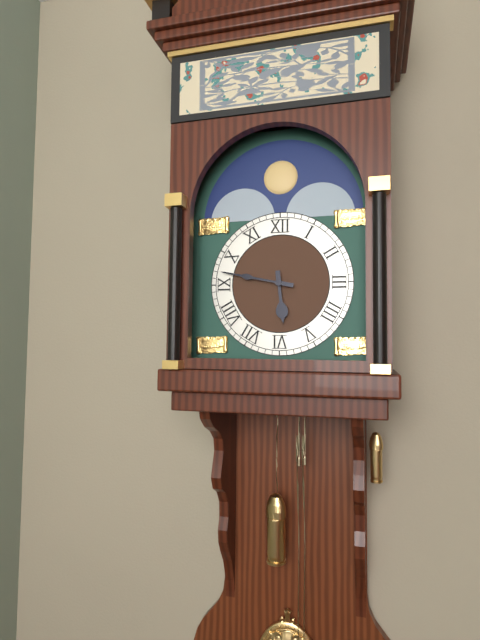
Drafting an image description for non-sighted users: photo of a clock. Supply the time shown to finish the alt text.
5:47
